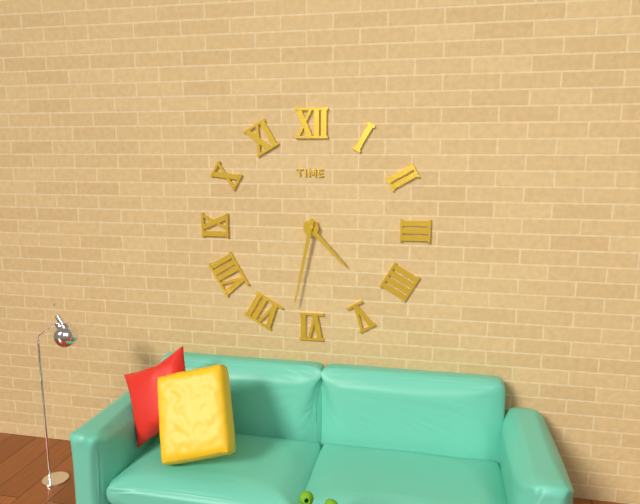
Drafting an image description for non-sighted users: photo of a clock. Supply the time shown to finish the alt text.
4:32
